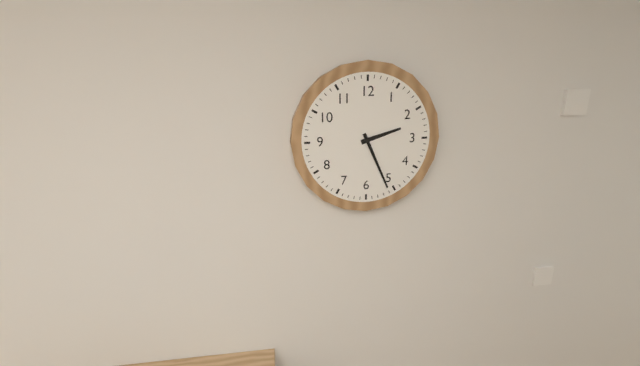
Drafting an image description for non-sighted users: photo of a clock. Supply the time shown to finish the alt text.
2:26
